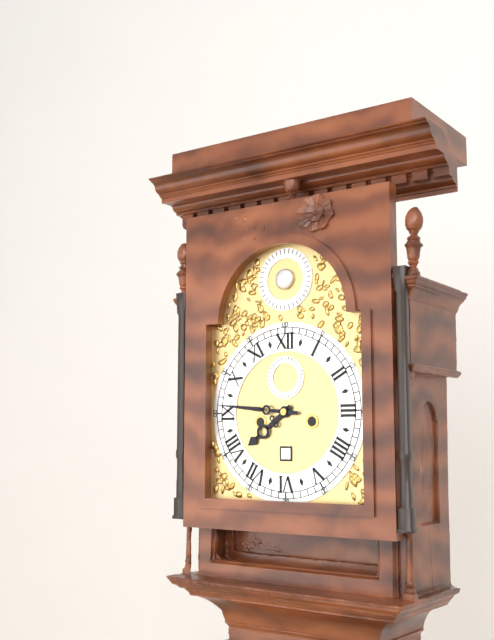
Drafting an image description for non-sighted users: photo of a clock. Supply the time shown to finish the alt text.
7:46
